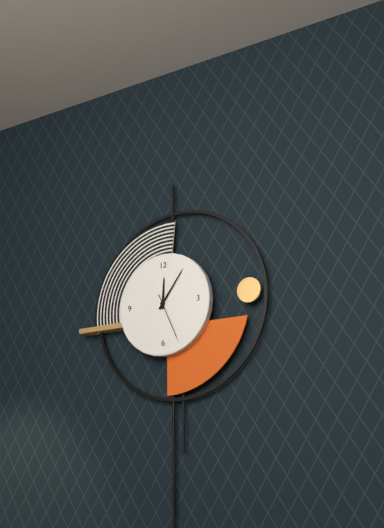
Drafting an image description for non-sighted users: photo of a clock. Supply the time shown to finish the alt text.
12:06:26
